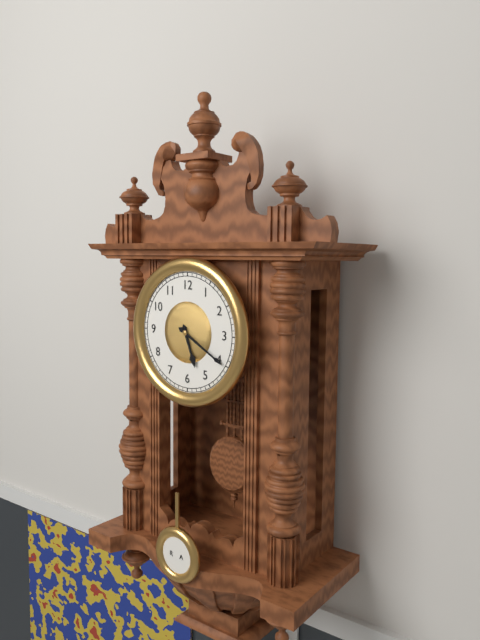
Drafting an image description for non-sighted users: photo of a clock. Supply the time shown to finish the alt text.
5:20
